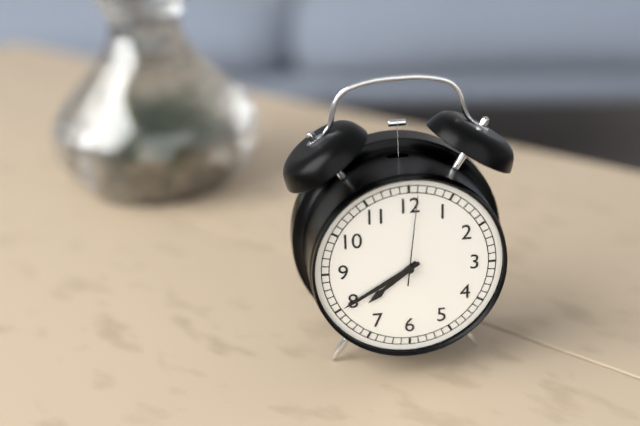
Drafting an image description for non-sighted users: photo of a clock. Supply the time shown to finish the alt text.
7:40:01
